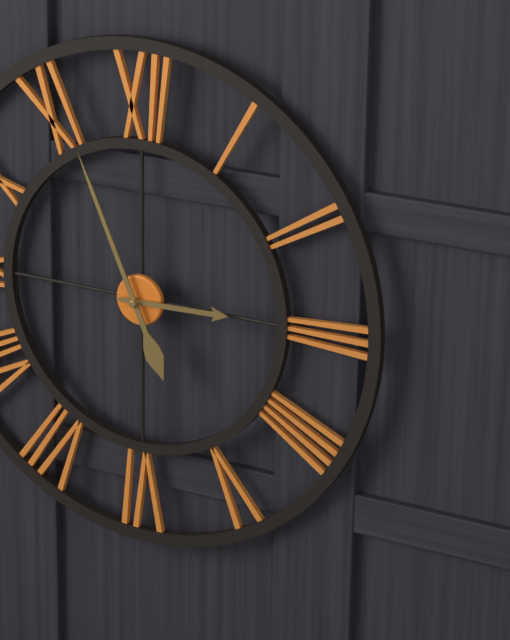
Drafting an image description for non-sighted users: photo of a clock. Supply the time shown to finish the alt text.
2:56
